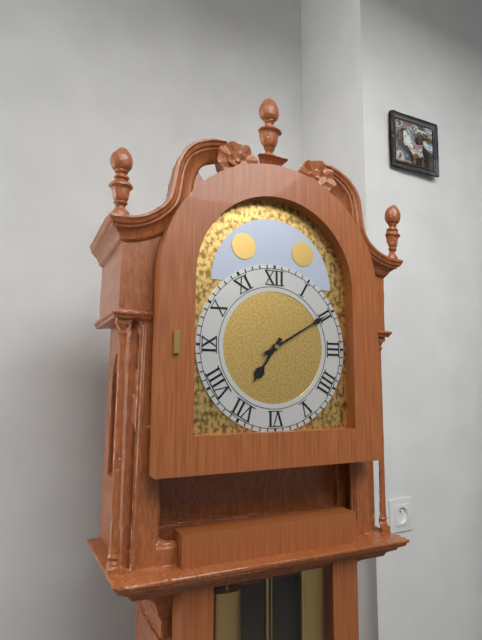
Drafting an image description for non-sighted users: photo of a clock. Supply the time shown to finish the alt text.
7:10
